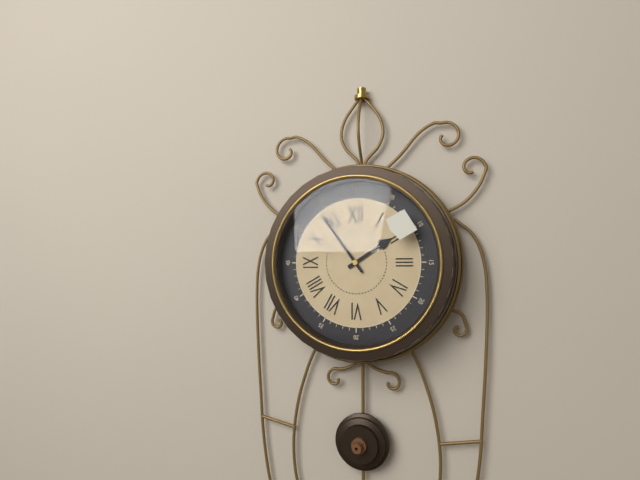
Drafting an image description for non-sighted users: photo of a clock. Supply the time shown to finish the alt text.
1:54
